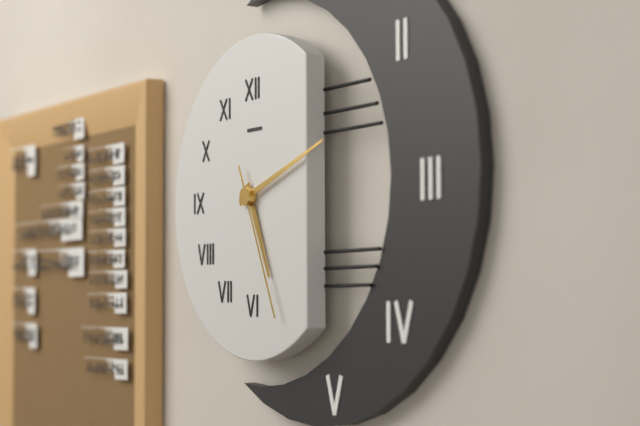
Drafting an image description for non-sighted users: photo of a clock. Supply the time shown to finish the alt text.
5:12:26
